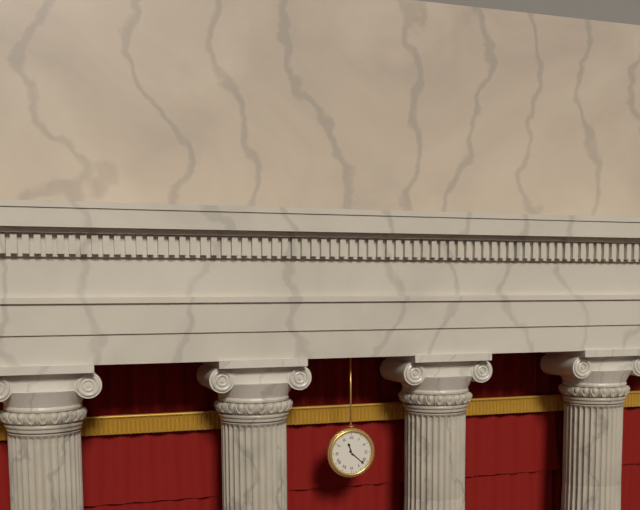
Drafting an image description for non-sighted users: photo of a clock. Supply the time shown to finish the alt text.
11:22
